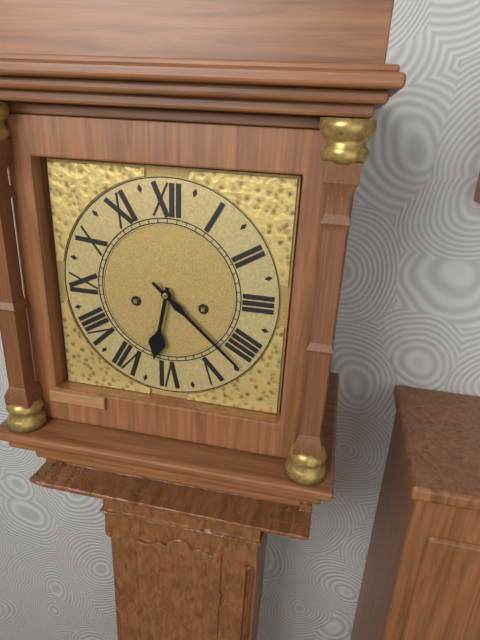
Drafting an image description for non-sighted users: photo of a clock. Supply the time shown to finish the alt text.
6:22
